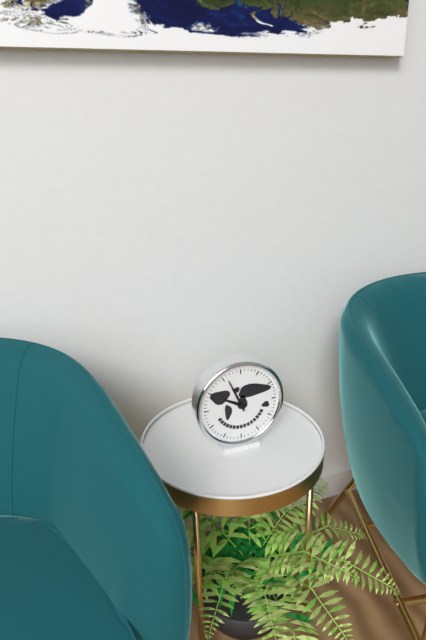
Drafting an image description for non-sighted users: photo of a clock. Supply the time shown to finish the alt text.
9:56
